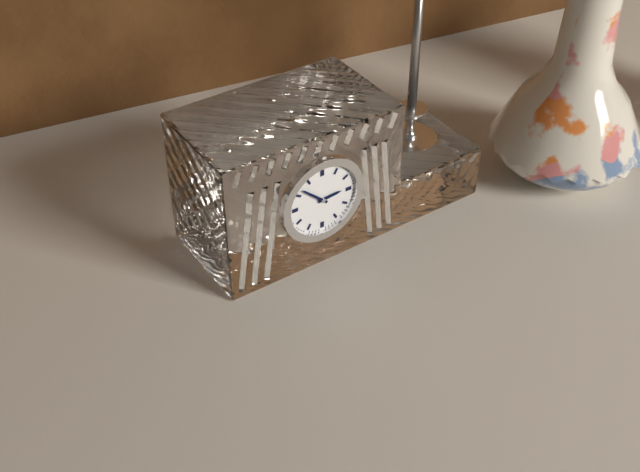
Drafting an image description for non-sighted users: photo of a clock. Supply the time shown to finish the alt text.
2:52
